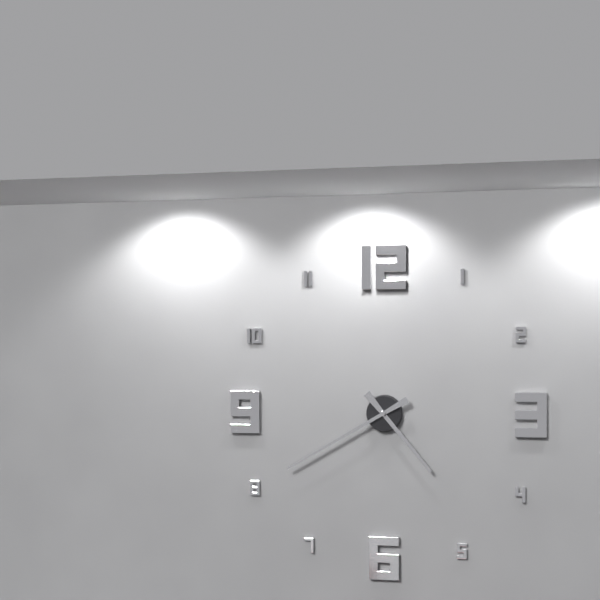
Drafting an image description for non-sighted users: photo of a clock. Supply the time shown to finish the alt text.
4:40
